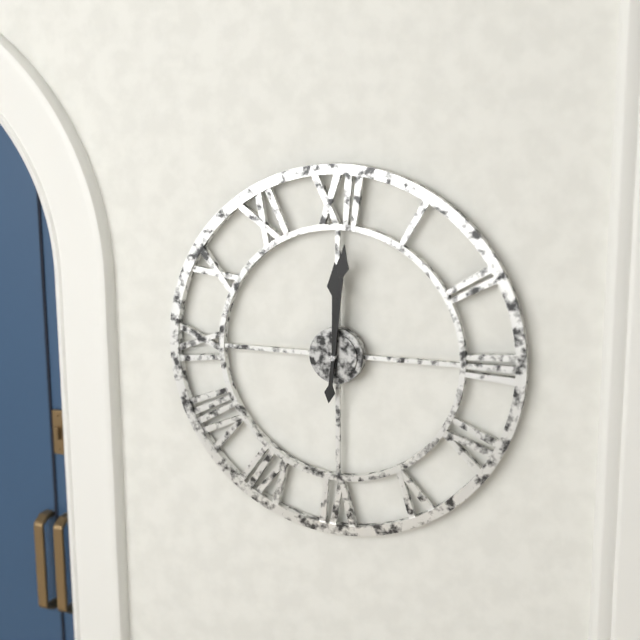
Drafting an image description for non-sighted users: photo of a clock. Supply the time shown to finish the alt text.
12:01
